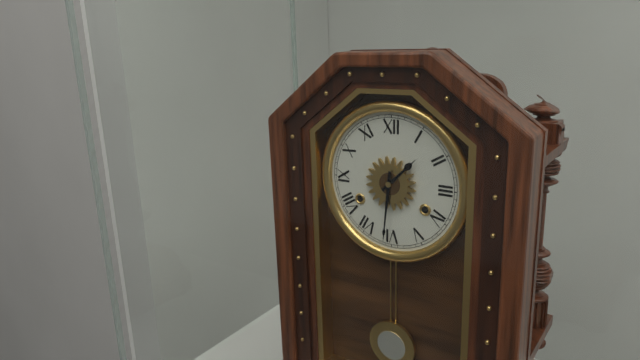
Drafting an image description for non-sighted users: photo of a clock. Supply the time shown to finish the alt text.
1:31
